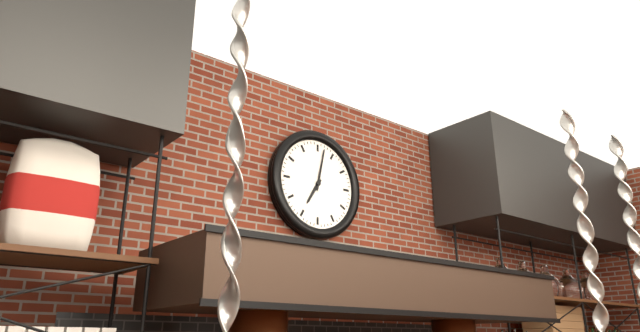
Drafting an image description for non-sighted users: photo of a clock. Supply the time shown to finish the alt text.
7:02
